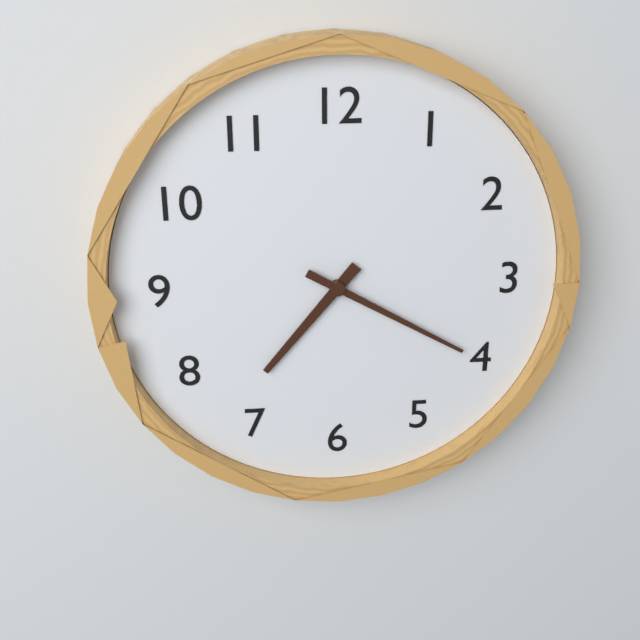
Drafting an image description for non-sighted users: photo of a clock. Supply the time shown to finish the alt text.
7:20
